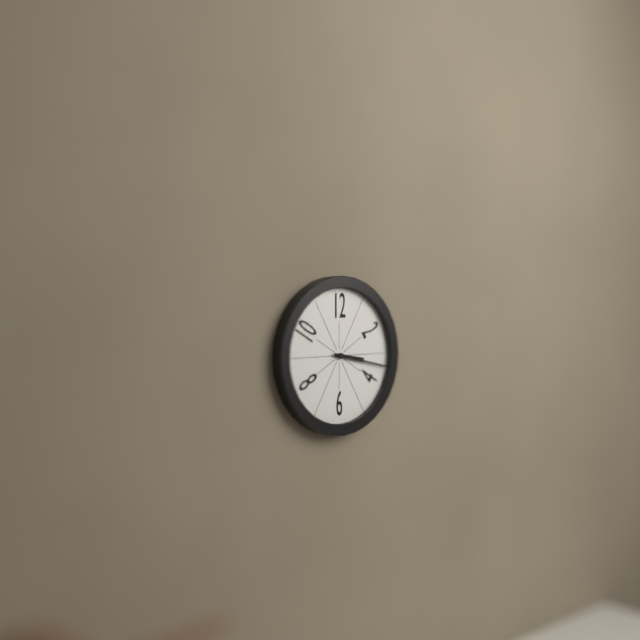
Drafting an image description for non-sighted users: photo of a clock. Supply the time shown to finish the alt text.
3:17
